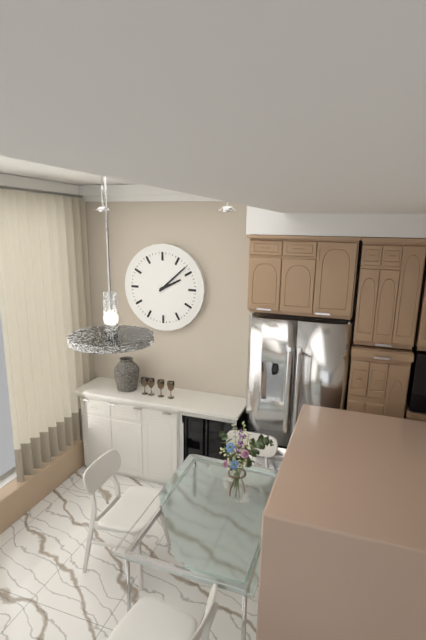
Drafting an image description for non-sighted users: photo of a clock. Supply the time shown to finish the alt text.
2:08
